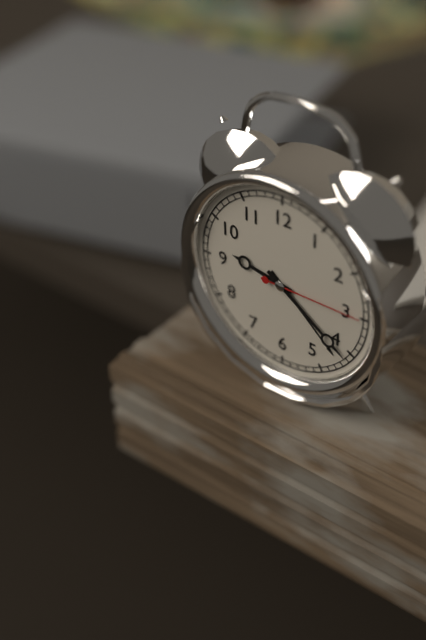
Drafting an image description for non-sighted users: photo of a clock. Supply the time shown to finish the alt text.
9:21:15
